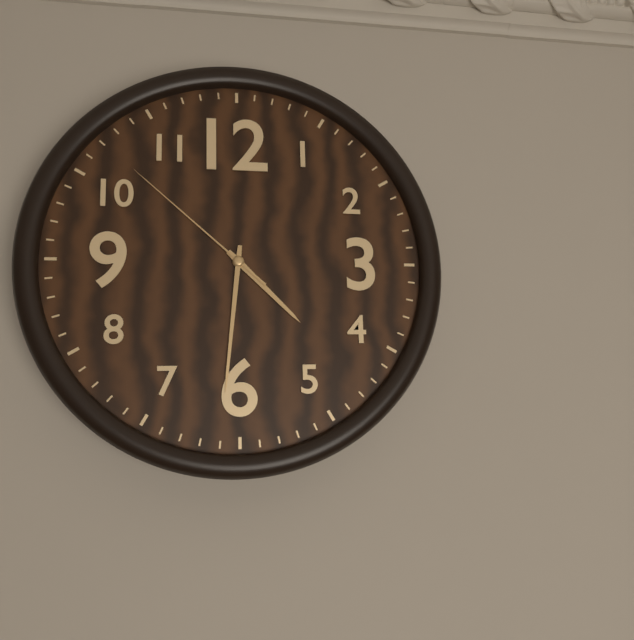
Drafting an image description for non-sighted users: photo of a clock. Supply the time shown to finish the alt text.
4:31:52
